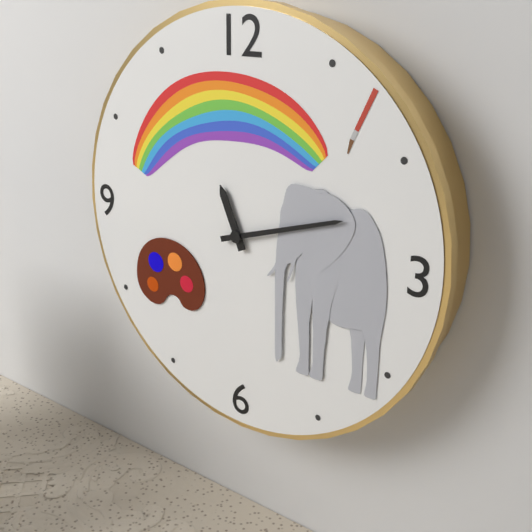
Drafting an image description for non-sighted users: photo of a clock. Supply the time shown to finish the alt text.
11:12
